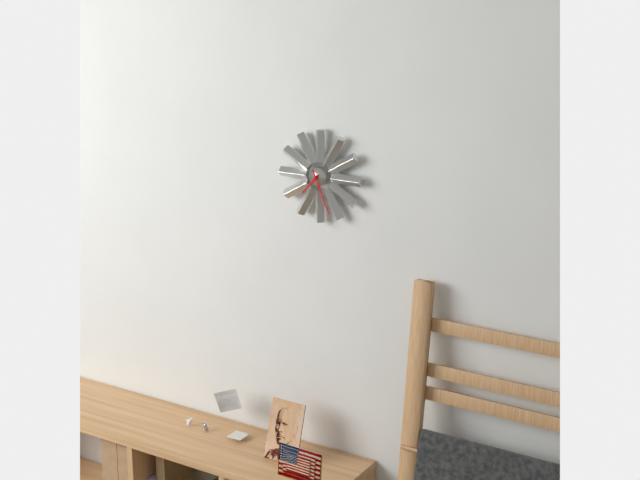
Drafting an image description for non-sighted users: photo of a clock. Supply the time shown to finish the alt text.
7:26
